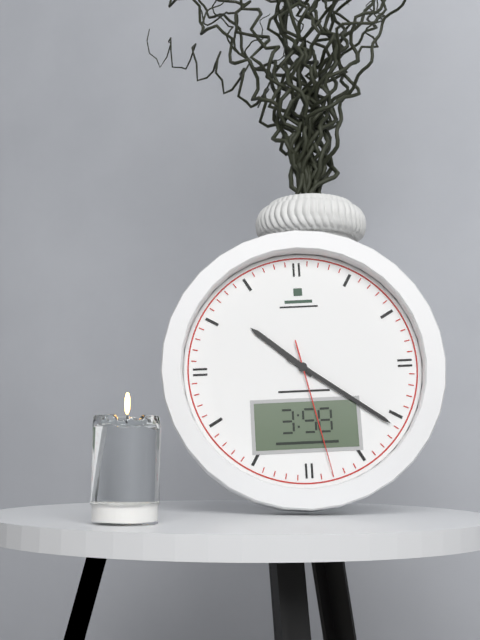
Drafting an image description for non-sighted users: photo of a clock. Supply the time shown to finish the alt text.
10:21:28
